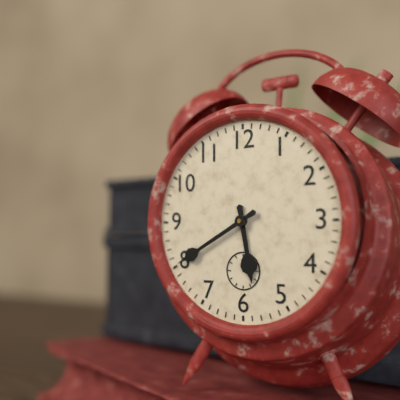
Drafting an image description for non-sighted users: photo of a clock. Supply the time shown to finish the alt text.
5:40
